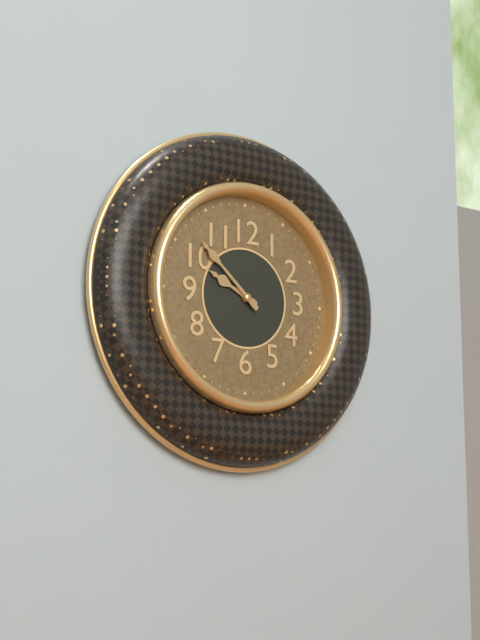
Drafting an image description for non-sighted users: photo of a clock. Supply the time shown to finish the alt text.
9:52
